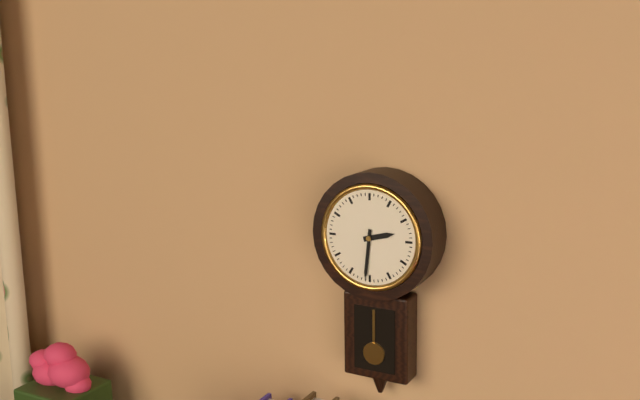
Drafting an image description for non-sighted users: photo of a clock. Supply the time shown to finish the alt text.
2:31
